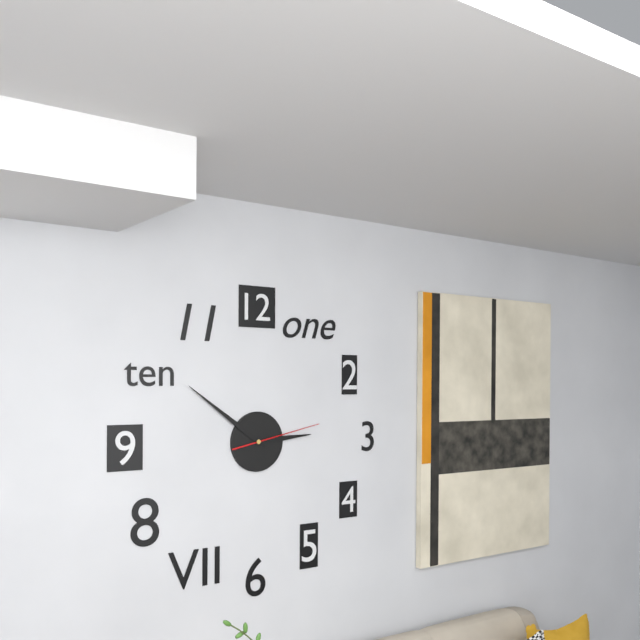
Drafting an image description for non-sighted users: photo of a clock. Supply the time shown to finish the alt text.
2:51:13
